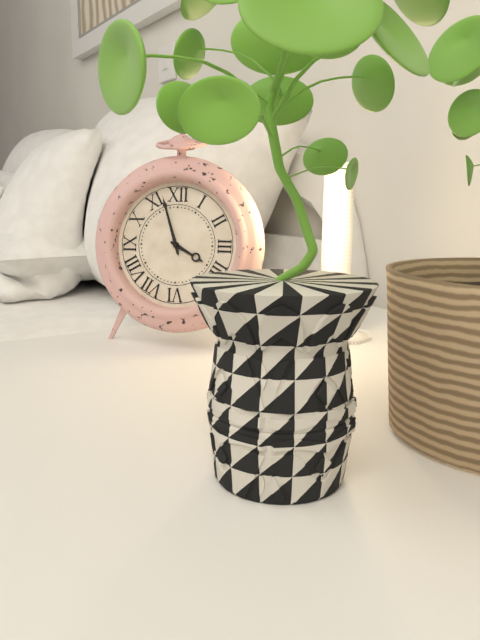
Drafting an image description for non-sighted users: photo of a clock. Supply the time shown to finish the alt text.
3:57
